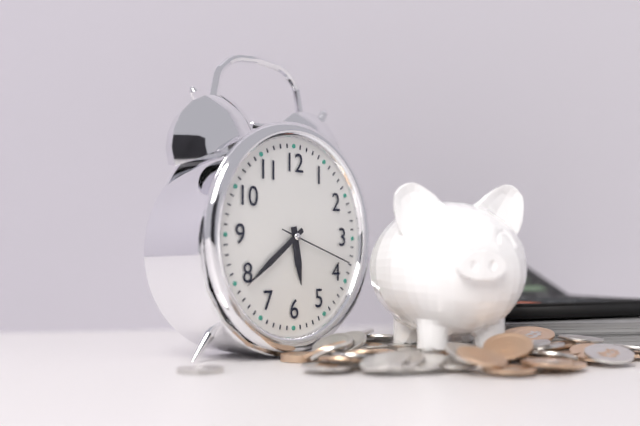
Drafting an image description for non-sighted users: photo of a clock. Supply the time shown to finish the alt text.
5:39:18
